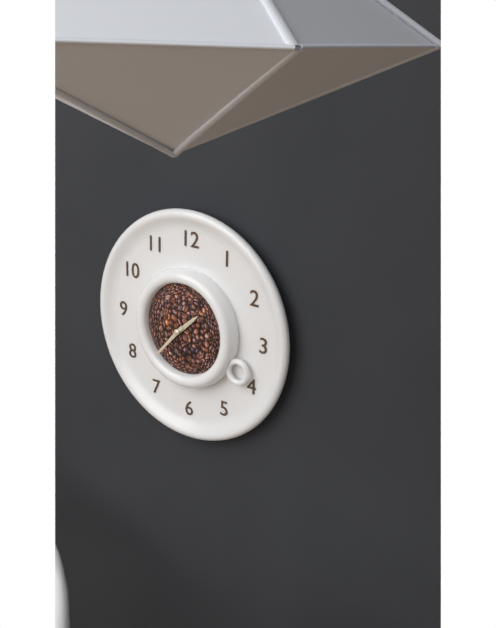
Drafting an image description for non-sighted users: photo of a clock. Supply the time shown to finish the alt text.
1:37
